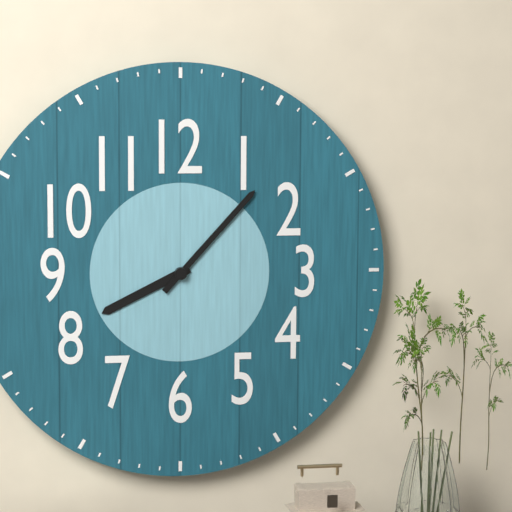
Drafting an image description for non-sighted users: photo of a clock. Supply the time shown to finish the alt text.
8:07
